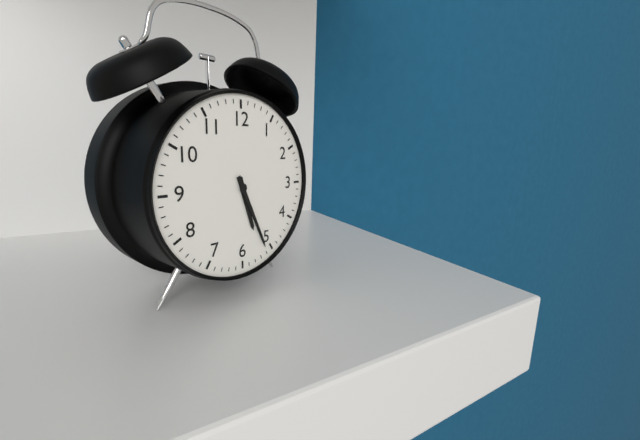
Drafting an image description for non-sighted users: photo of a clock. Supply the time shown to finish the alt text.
5:26
